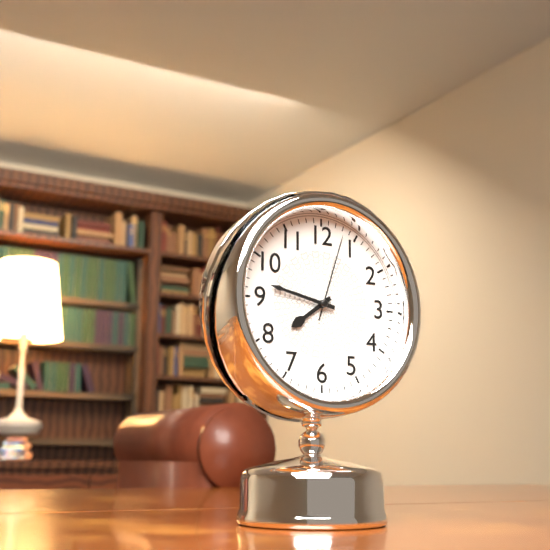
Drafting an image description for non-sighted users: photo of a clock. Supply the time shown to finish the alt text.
7:47:03
